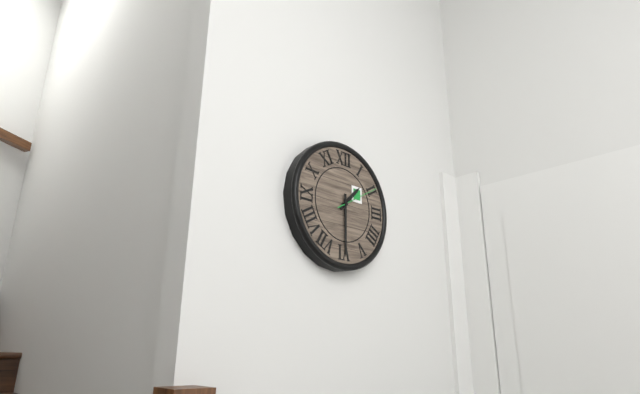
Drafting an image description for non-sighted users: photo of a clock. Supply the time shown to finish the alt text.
1:30:10
